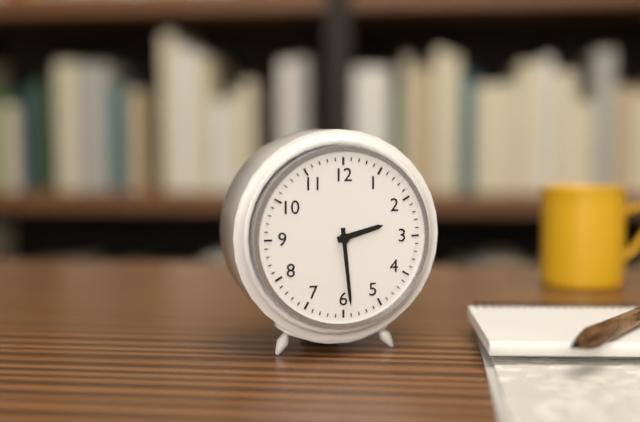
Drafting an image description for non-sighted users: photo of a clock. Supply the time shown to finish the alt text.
2:29
